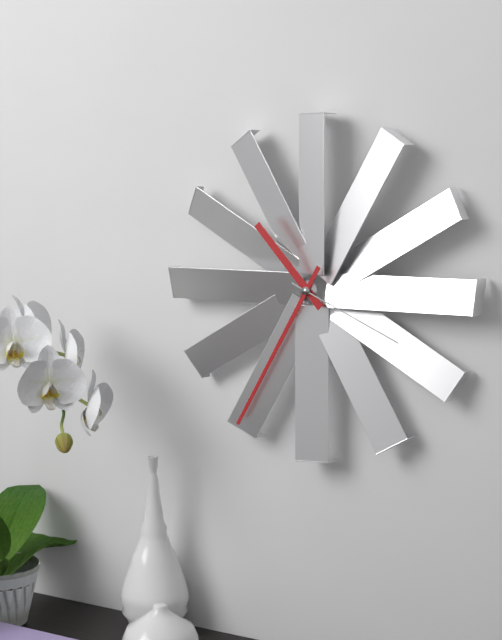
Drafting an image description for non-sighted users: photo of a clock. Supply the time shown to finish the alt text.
10:35:19
